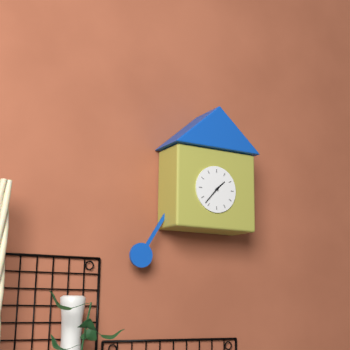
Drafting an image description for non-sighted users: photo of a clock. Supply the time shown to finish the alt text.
1:37
